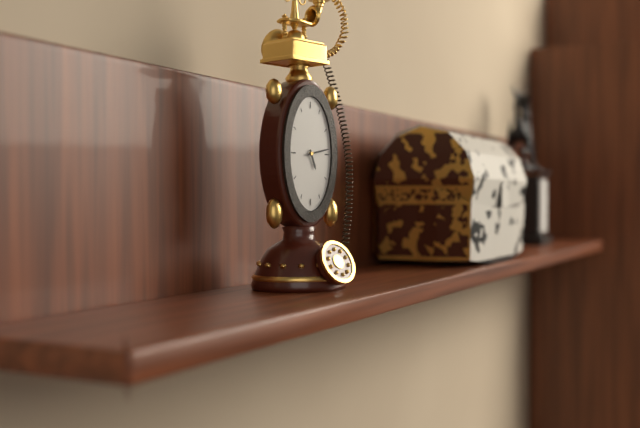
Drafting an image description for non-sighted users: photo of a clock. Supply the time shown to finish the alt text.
5:13
